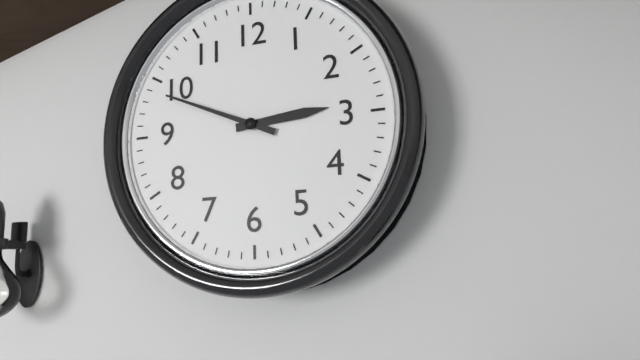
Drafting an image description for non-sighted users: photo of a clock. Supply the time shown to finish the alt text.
2:49
